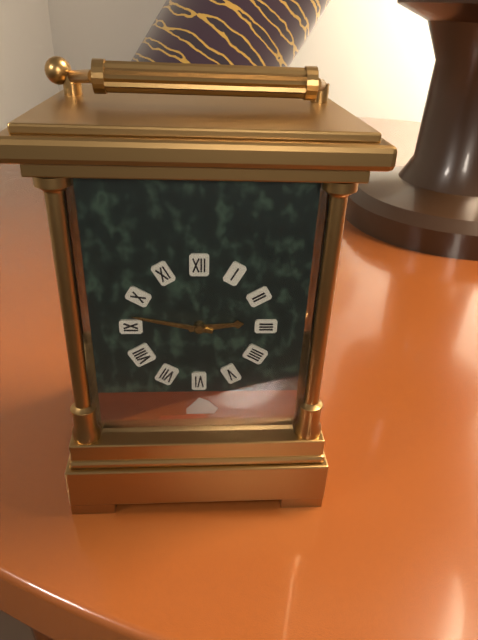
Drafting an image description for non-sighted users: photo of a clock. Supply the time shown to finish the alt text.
2:47
